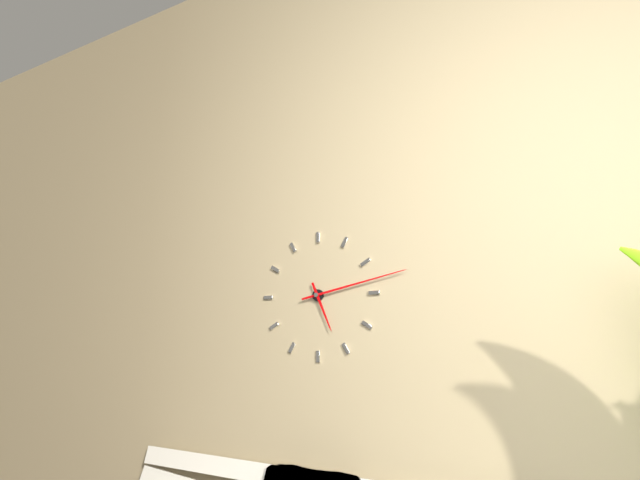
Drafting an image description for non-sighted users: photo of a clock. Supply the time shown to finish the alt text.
5:13
